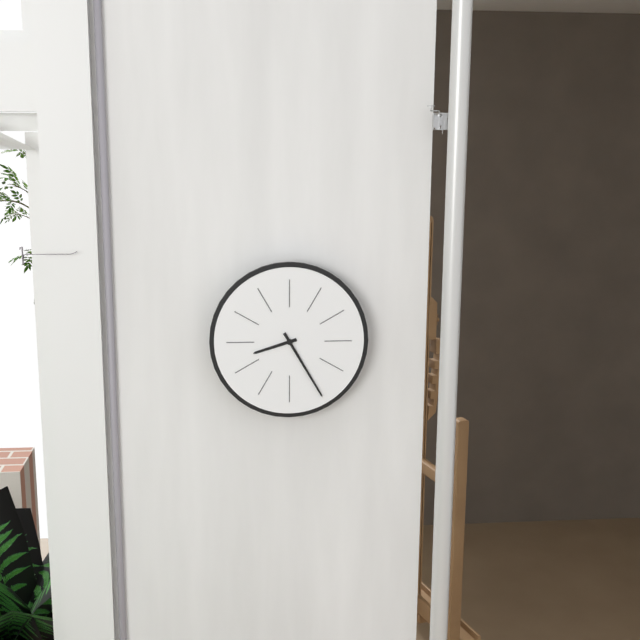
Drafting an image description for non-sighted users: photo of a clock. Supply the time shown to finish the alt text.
8:25
